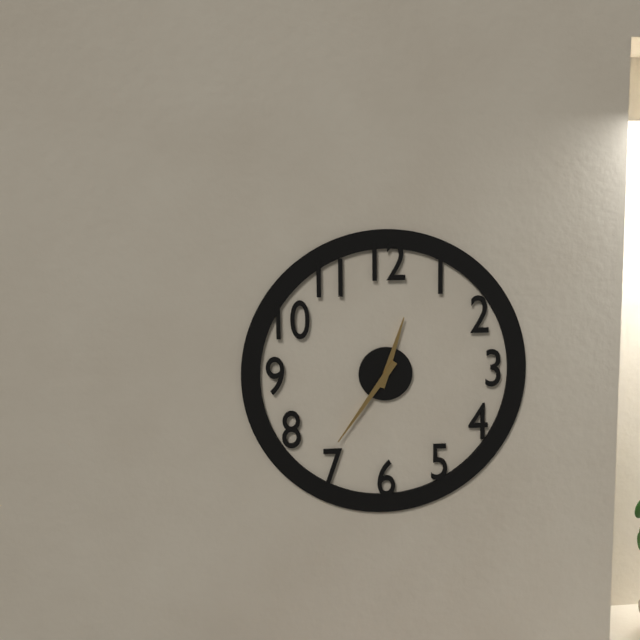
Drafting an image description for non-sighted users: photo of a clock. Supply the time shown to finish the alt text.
12:36
